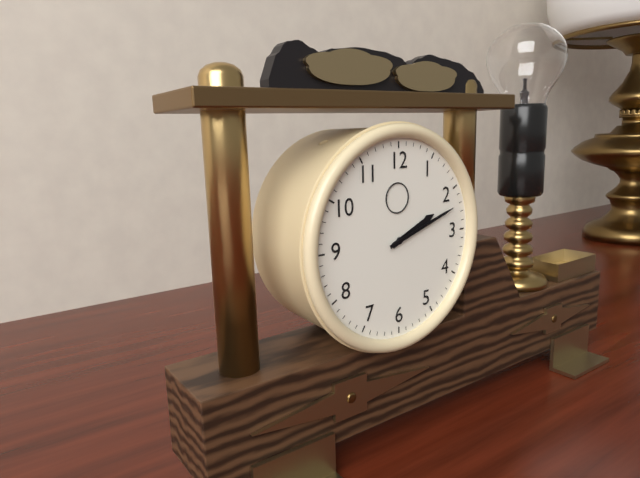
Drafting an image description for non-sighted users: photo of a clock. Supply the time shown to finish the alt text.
2:12
